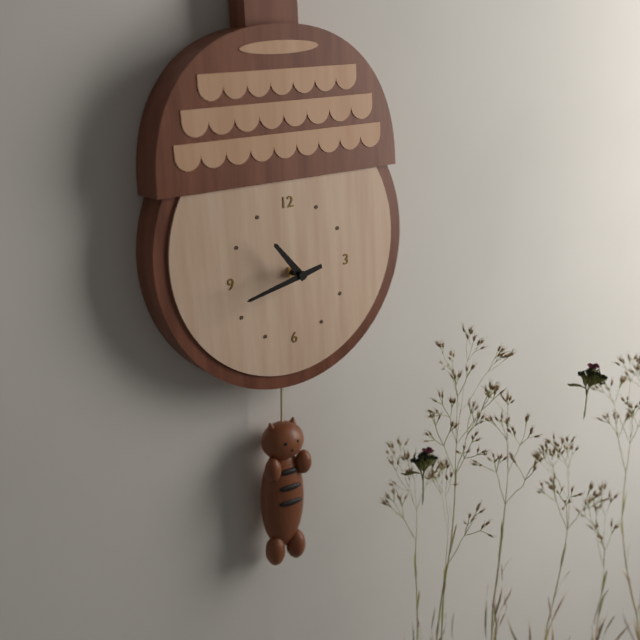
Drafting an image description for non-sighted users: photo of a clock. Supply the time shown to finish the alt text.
10:43
